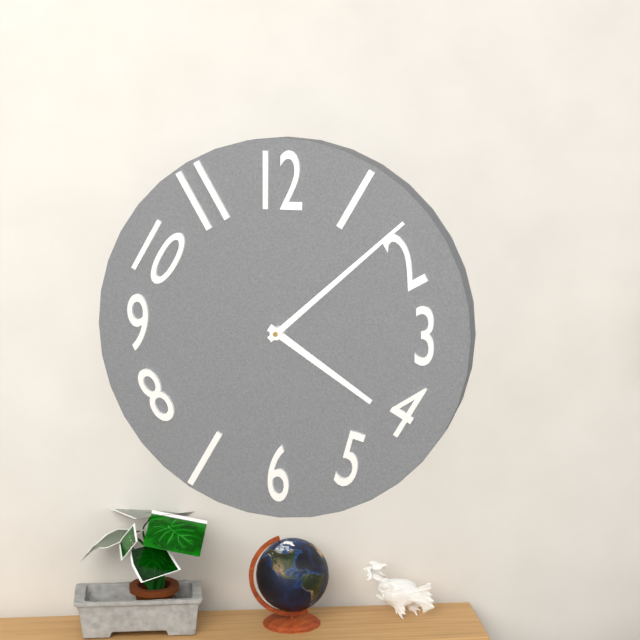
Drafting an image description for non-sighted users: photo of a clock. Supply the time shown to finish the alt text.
4:08
